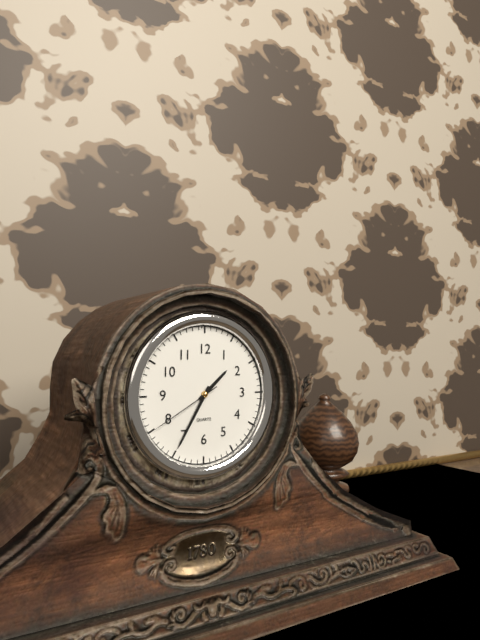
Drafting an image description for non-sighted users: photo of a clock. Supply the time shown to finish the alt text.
1:35:40
